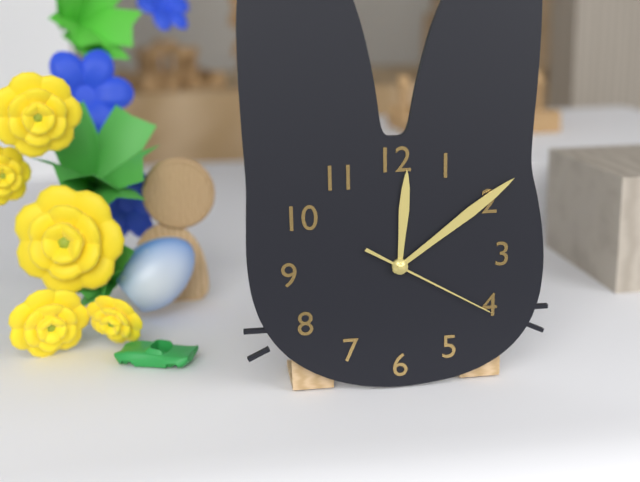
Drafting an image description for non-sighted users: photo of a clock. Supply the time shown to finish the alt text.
12:09:20
